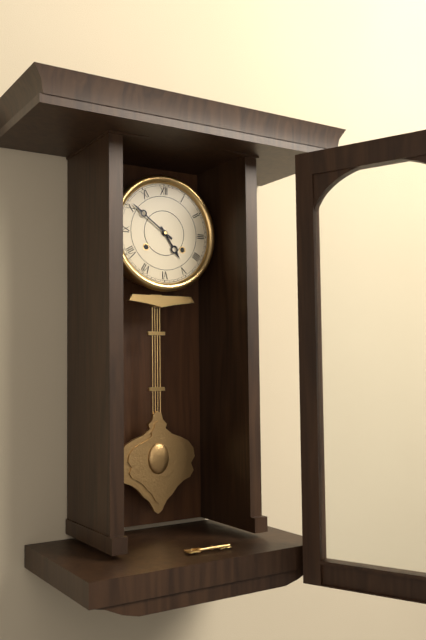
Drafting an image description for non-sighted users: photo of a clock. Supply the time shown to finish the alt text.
4:51
